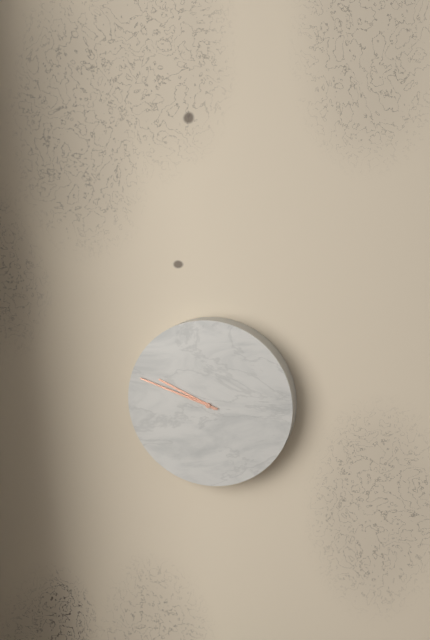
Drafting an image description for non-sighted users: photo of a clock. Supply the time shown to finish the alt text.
9:48
